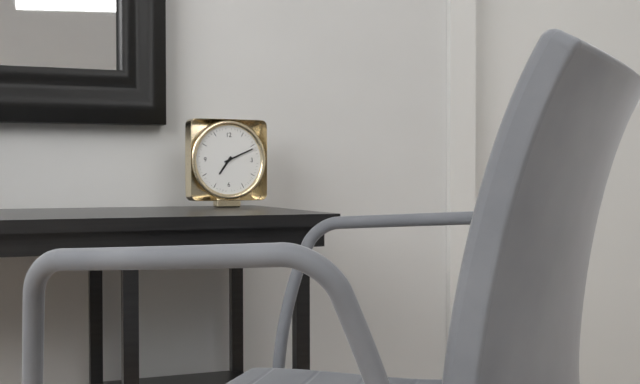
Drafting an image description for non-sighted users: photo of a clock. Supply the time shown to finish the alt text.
7:11
